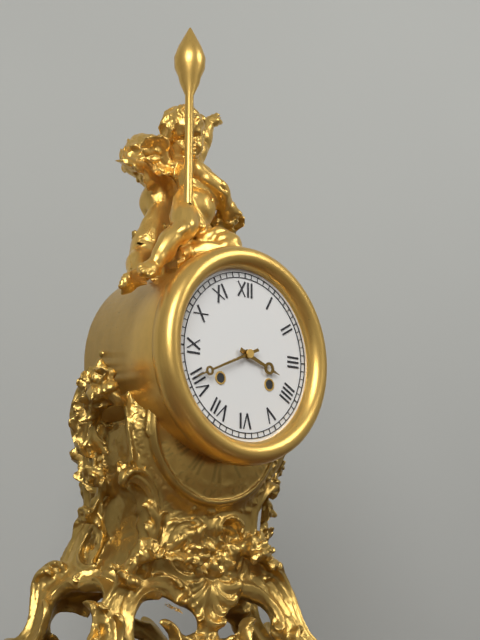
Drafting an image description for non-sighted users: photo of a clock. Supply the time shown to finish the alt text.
3:41
